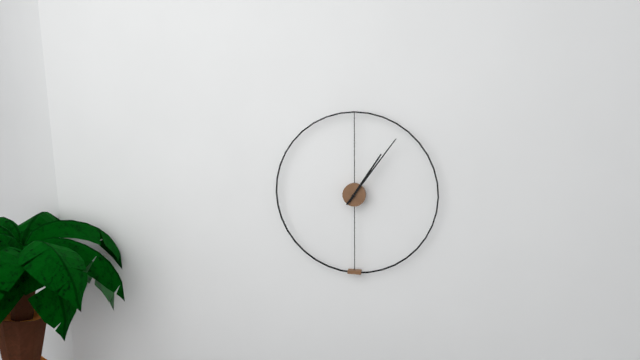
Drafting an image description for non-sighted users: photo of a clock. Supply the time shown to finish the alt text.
1:06
